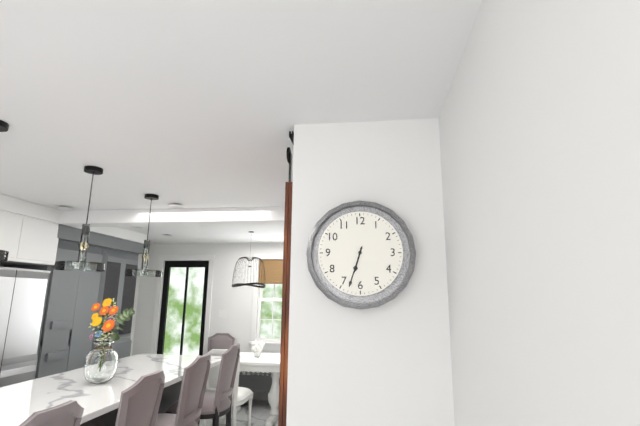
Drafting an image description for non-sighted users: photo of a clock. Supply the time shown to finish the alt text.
6:33
